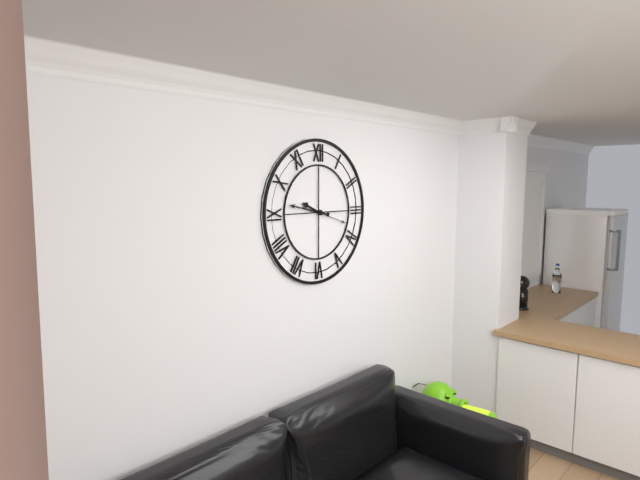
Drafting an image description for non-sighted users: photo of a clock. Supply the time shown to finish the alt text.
9:47
